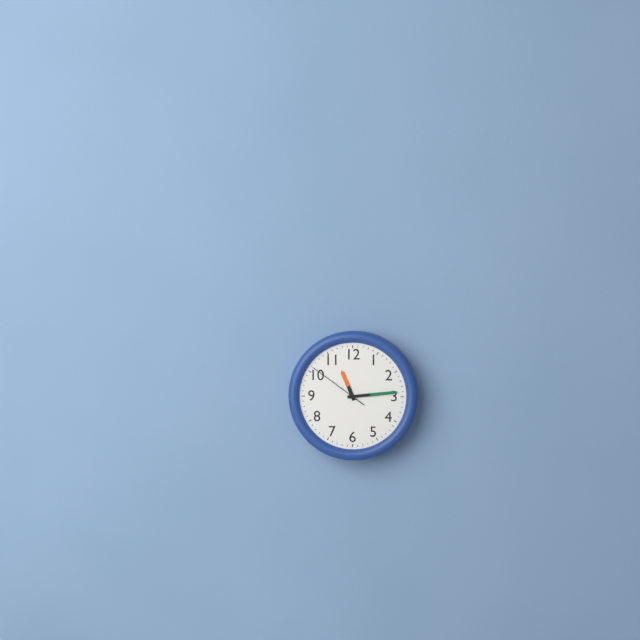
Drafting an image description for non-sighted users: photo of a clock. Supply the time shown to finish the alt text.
11:14:51
